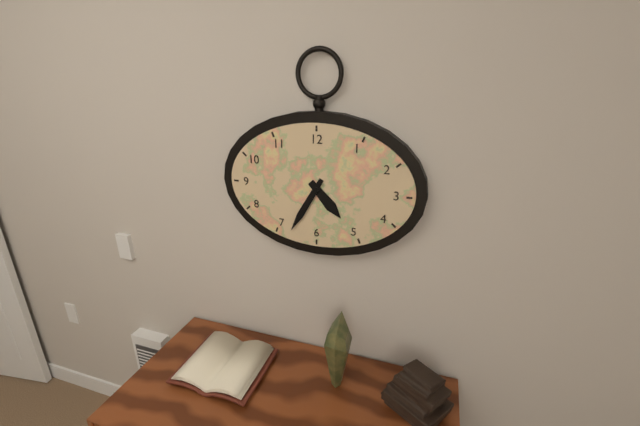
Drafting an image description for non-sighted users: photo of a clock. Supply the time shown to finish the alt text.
4:35
